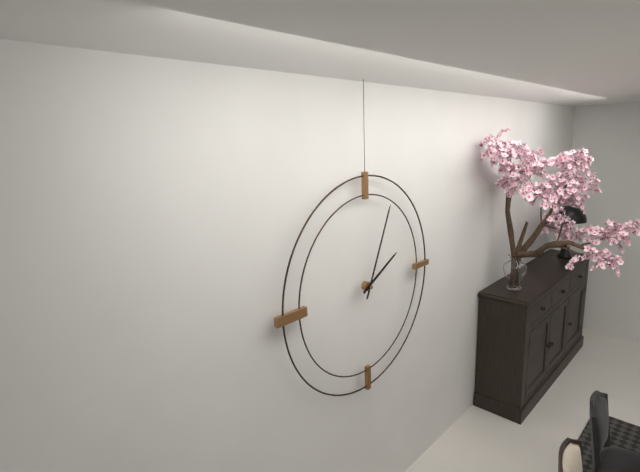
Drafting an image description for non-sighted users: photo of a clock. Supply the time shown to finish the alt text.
2:04
